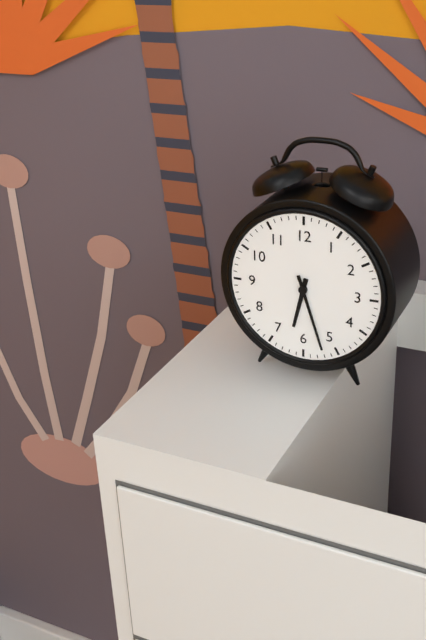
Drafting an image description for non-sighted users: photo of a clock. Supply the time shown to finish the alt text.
6:27
